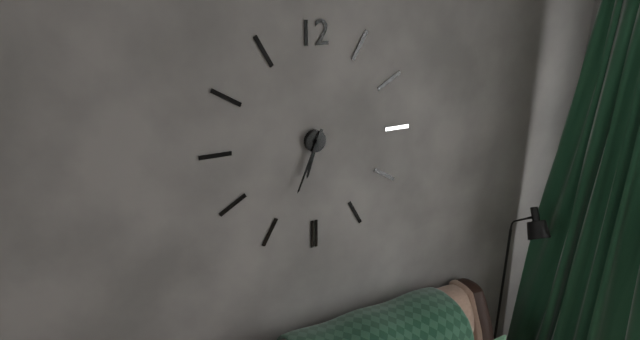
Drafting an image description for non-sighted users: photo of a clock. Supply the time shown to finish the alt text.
6:34
